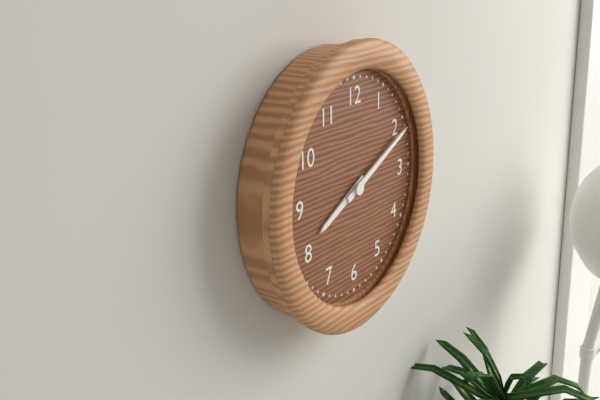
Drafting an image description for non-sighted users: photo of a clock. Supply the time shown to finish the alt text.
8:11
